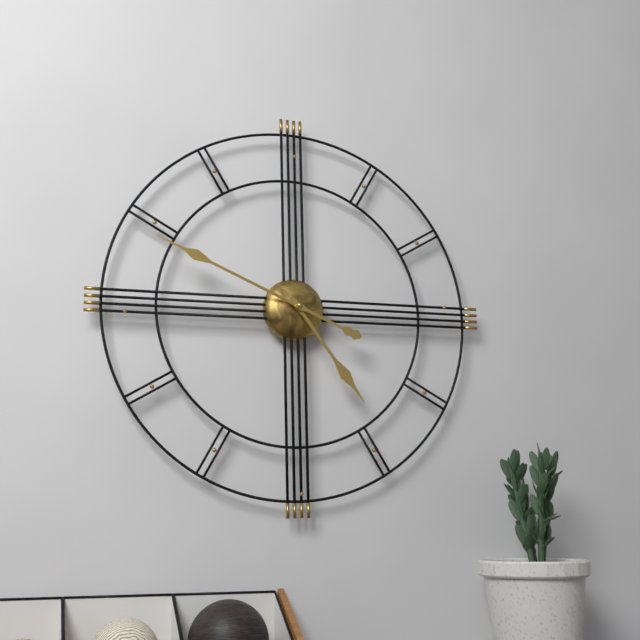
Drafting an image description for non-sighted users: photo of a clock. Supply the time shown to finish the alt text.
4:49
